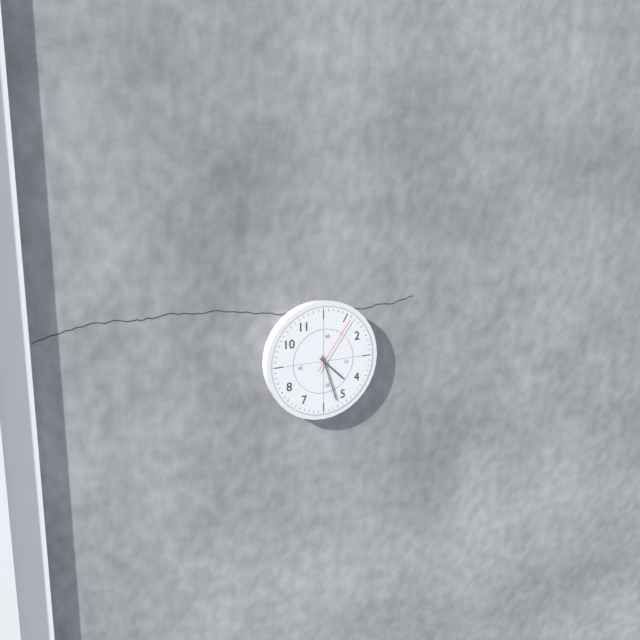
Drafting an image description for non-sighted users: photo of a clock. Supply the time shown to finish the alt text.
4:27:06
